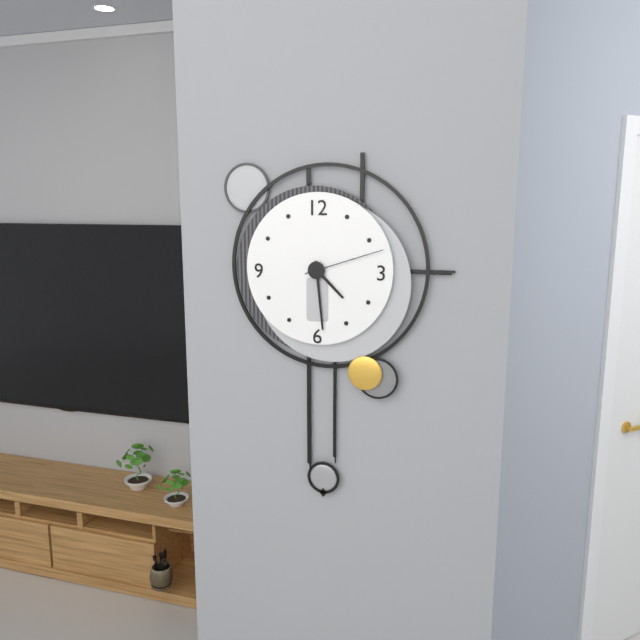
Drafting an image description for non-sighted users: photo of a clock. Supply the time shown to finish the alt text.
4:29:12
